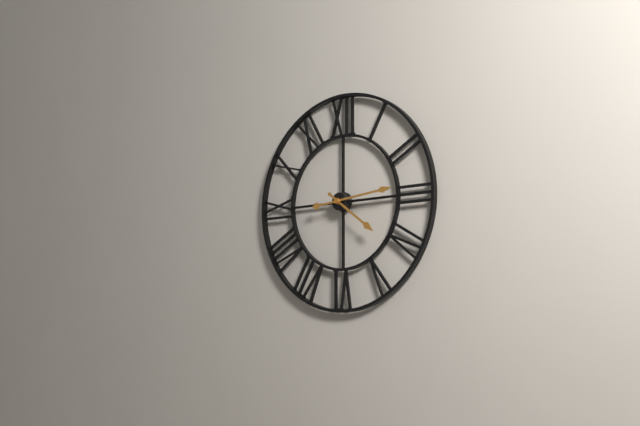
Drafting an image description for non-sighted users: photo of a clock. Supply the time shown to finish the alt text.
4:14
